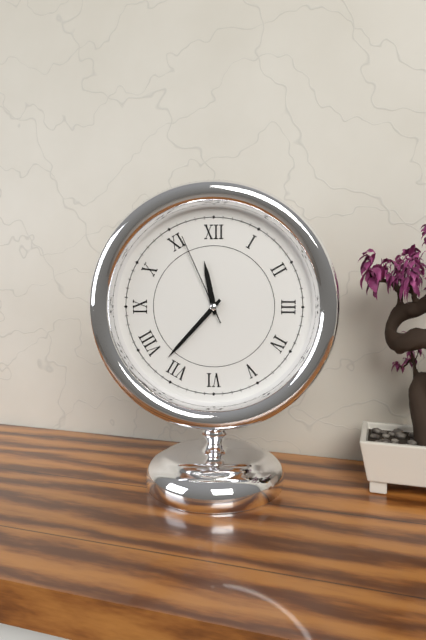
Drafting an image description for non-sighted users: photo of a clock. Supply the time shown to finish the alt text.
11:37:56
